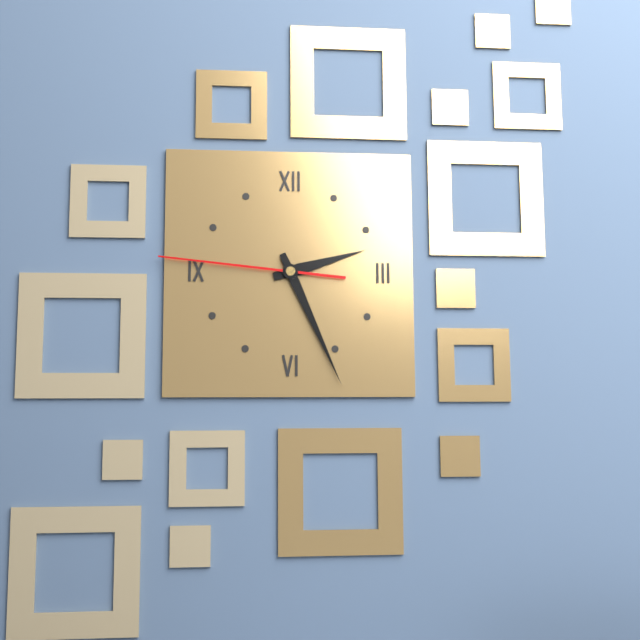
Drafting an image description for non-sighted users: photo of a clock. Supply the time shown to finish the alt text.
2:26:46
